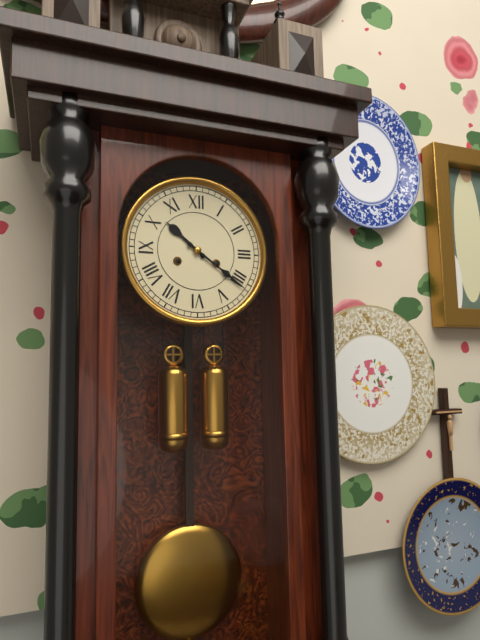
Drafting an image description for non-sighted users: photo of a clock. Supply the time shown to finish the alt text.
10:21
